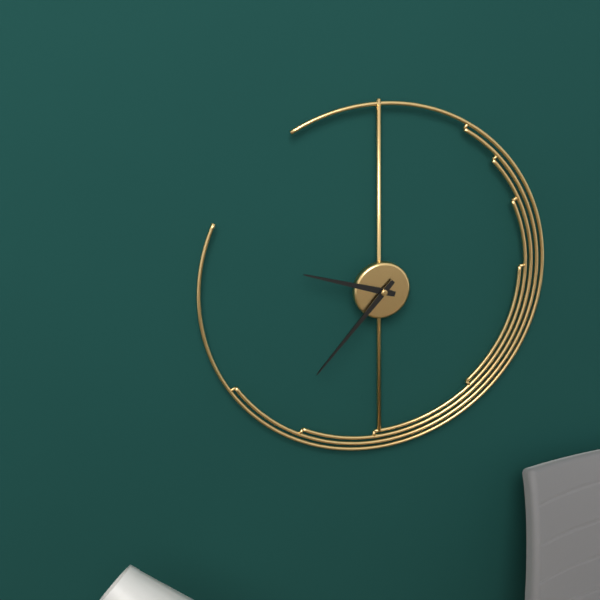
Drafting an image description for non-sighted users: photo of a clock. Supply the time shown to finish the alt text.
9:37
